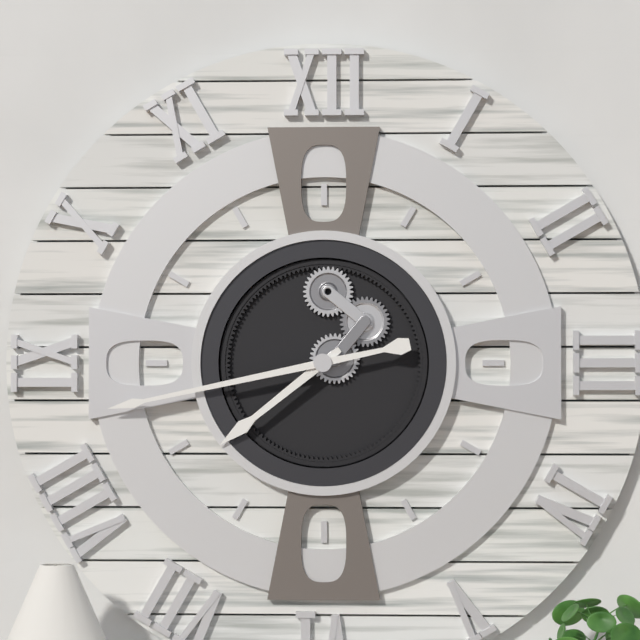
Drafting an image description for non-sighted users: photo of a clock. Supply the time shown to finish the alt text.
7:43
